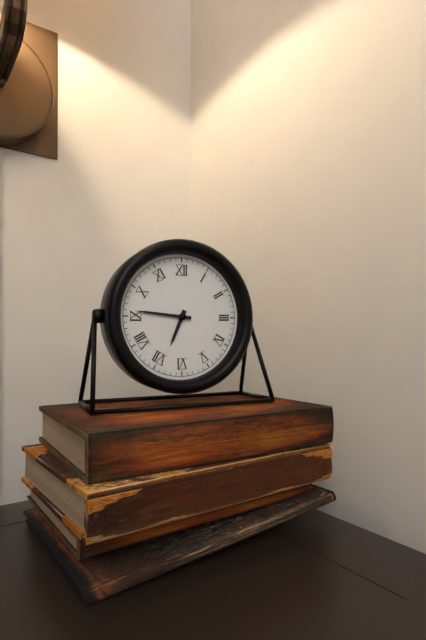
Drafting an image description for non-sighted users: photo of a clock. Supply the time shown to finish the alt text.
6:46
